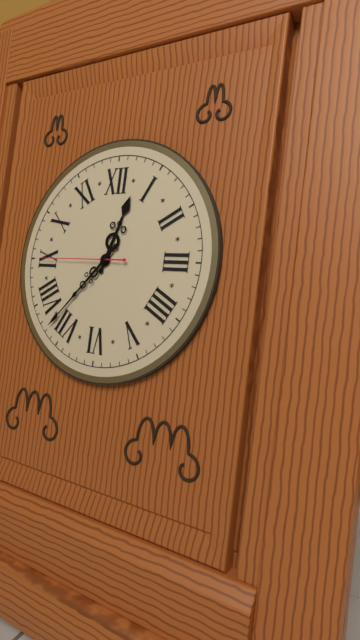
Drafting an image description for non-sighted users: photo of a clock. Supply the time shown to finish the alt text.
12:37:45
